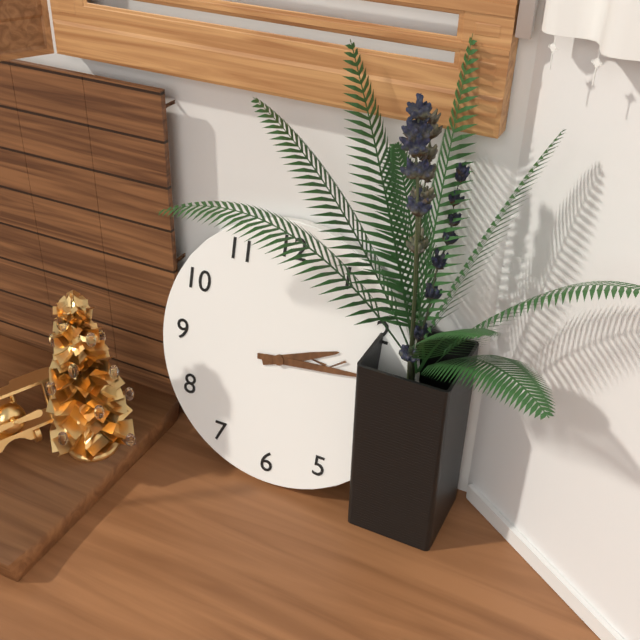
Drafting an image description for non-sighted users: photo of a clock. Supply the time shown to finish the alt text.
2:14
